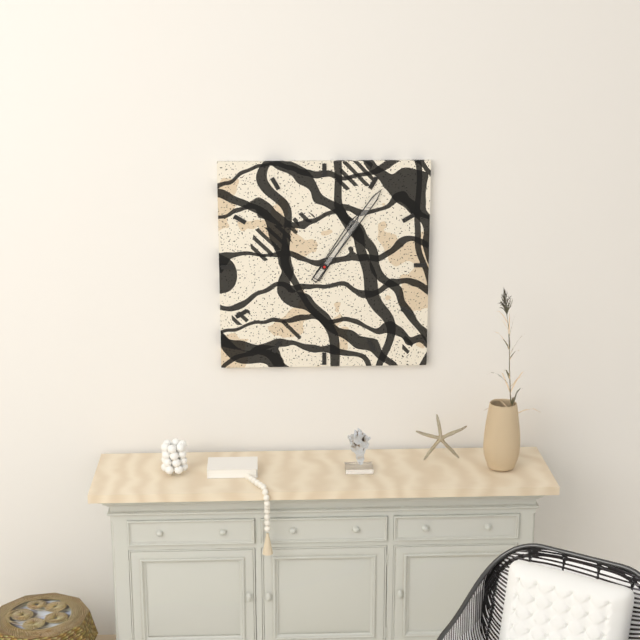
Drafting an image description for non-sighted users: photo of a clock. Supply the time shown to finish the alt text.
1:06
